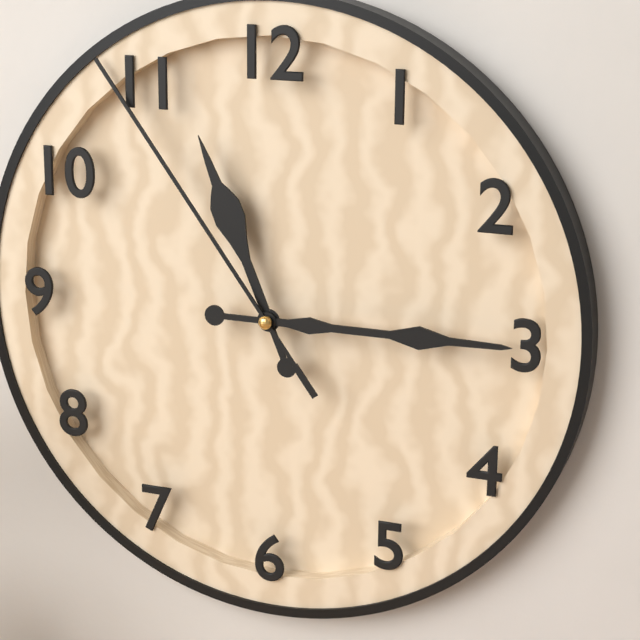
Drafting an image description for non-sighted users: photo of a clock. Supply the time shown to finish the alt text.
11:15:54
